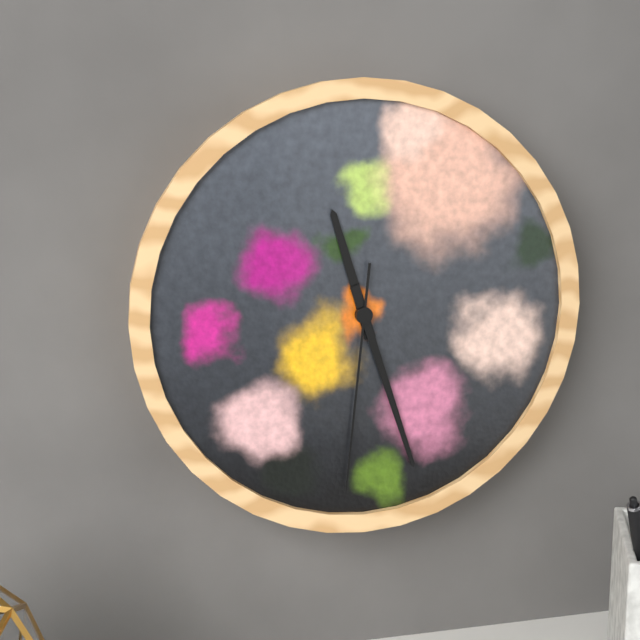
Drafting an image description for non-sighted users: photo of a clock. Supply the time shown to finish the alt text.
11:27:31
